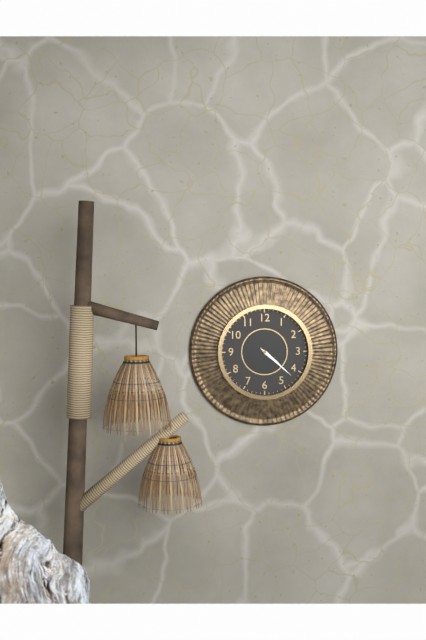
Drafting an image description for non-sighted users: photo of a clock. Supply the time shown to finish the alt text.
4:22
